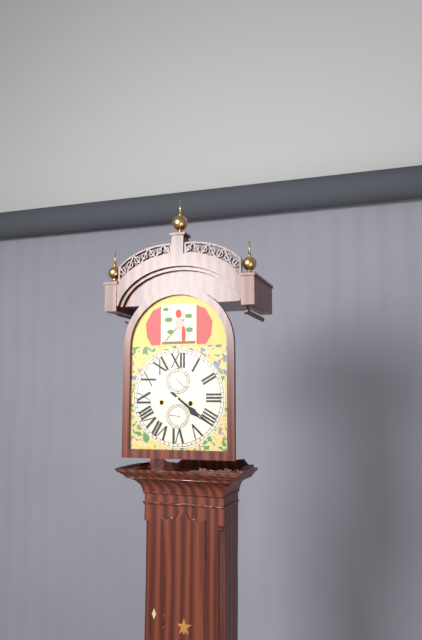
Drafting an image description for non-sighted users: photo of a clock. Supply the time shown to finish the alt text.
4:21
